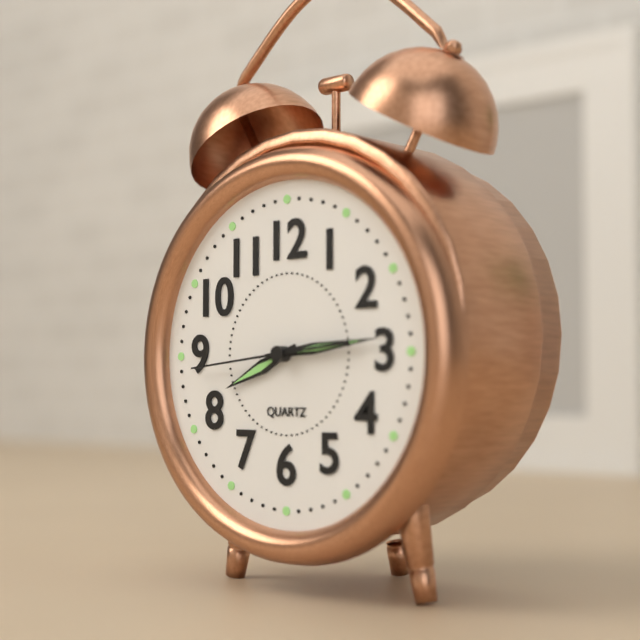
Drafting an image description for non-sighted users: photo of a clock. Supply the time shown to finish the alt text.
8:14:44
